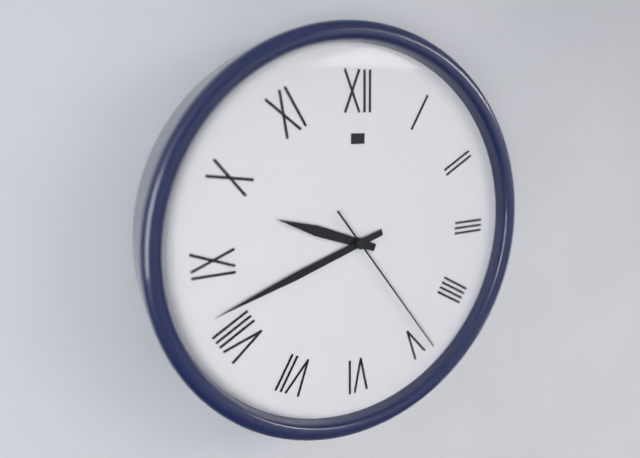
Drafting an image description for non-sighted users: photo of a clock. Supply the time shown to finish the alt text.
9:42:24
